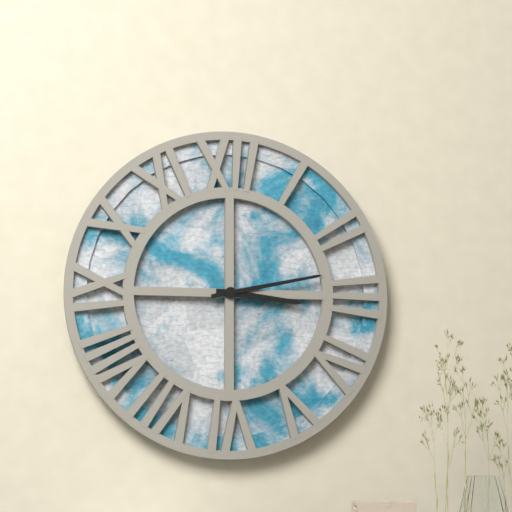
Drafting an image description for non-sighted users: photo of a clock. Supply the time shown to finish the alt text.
3:13
